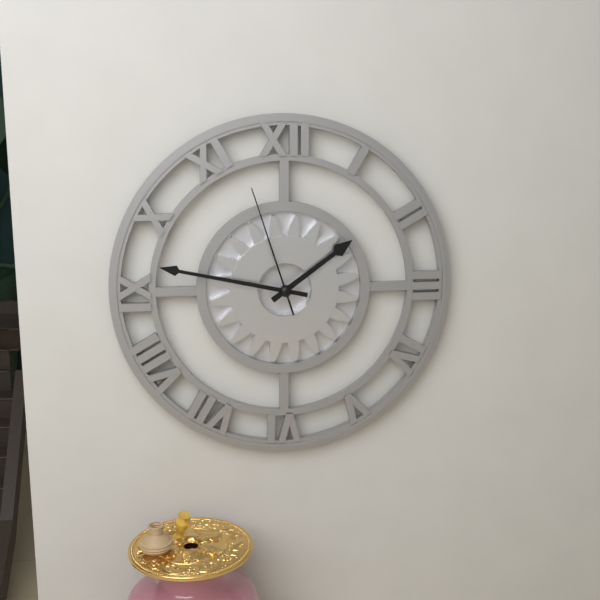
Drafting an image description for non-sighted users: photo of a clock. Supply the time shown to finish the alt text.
1:47:57
